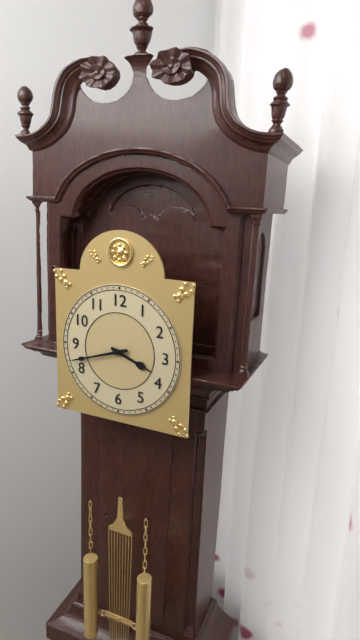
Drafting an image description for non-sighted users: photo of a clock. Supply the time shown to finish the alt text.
3:42
